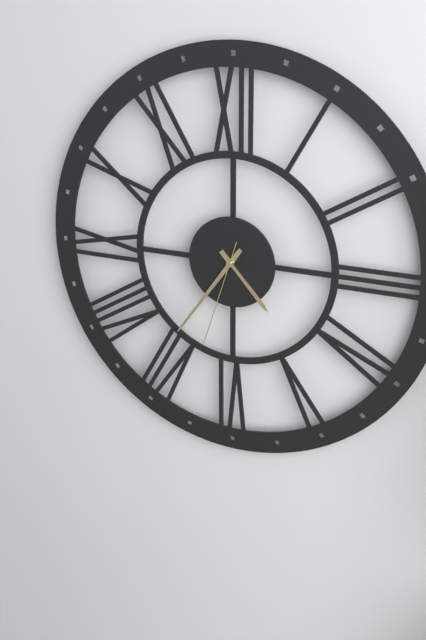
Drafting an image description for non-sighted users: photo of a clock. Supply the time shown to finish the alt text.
4:36:33
